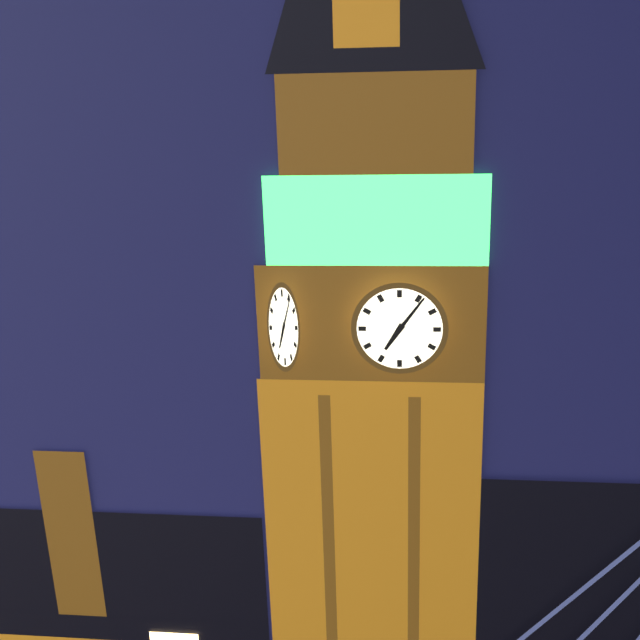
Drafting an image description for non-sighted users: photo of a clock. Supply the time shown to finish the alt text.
7:06
